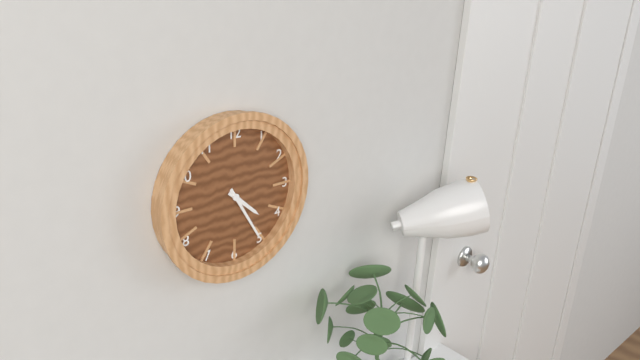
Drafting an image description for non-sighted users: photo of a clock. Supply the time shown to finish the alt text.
4:25
